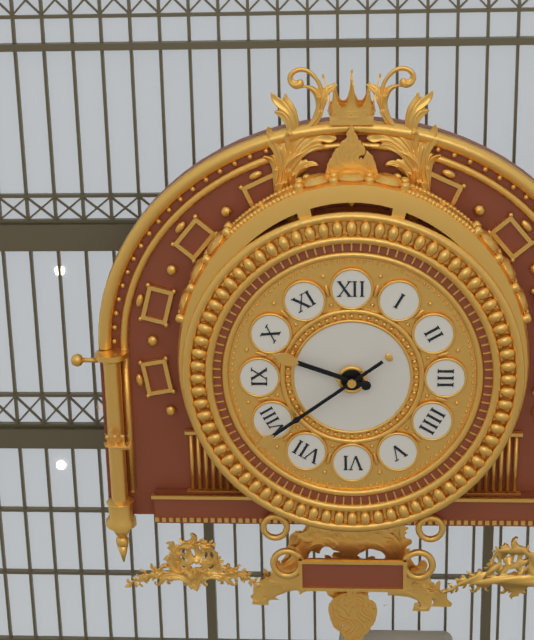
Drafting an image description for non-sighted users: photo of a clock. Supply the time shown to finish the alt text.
9:39
